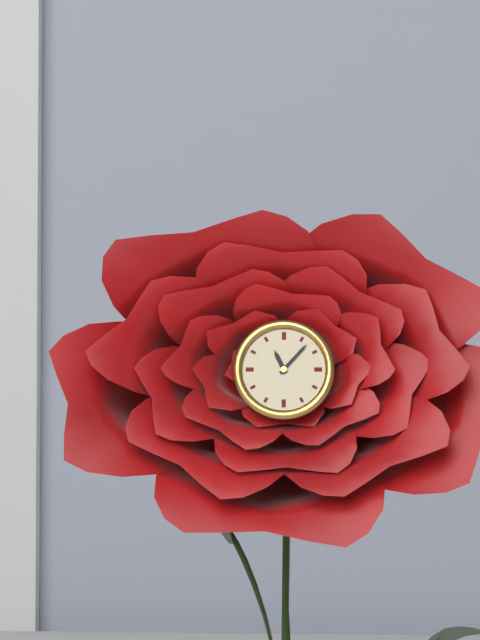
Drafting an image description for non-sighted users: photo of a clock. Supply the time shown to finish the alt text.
11:07
